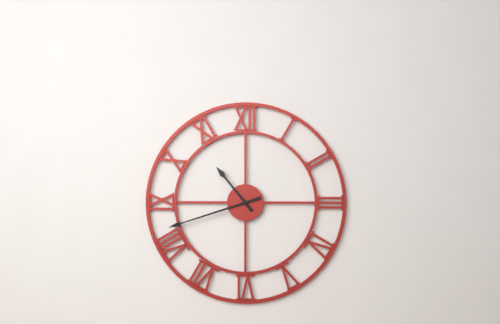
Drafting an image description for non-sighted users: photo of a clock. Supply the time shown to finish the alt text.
10:42
